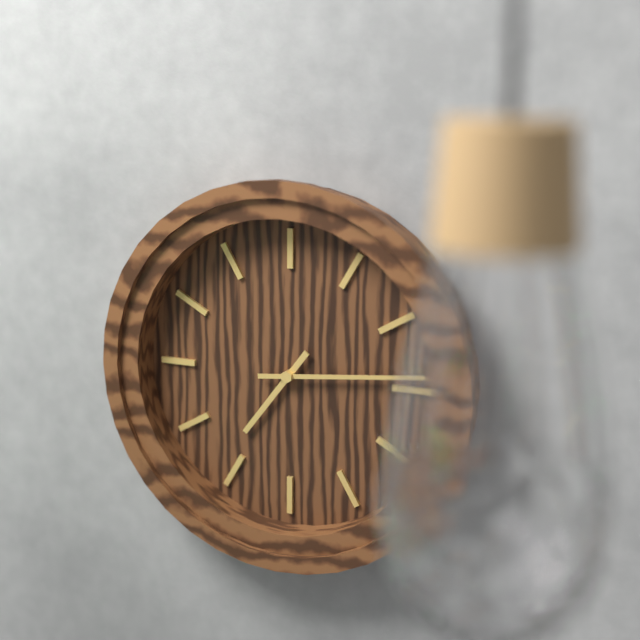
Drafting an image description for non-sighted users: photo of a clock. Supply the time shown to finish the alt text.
7:14
